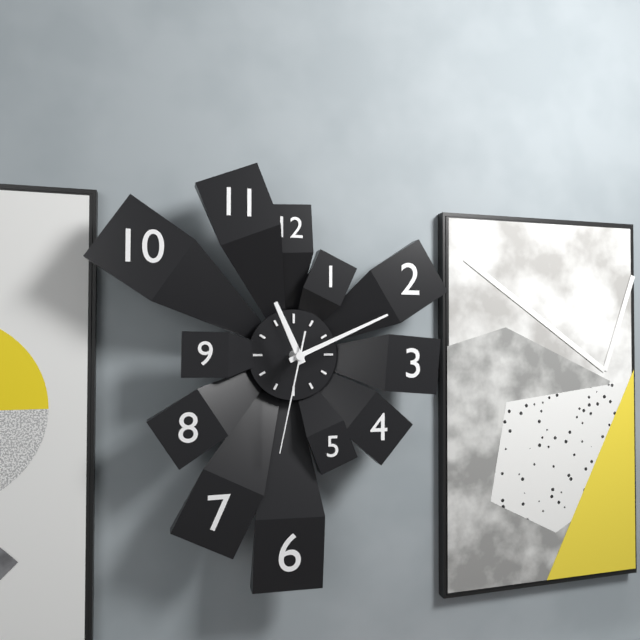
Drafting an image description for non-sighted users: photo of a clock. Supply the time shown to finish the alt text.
11:11:32
